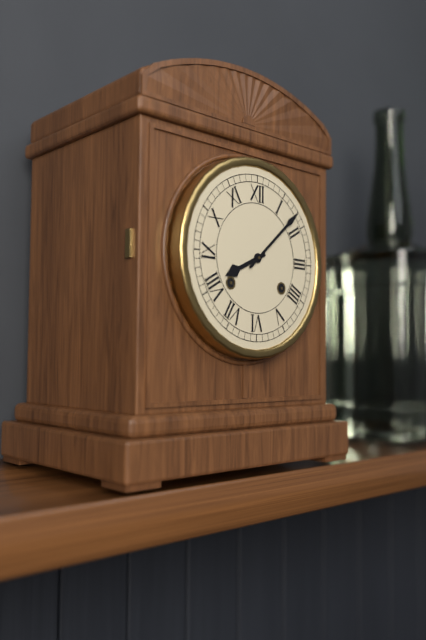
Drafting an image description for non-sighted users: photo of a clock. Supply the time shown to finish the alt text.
8:08
